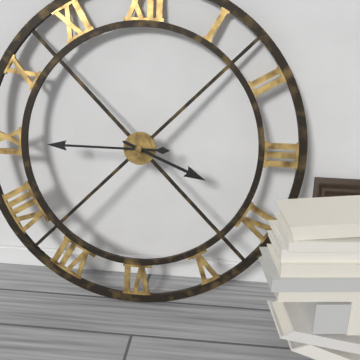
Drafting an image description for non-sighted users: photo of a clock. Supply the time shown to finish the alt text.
3:45
